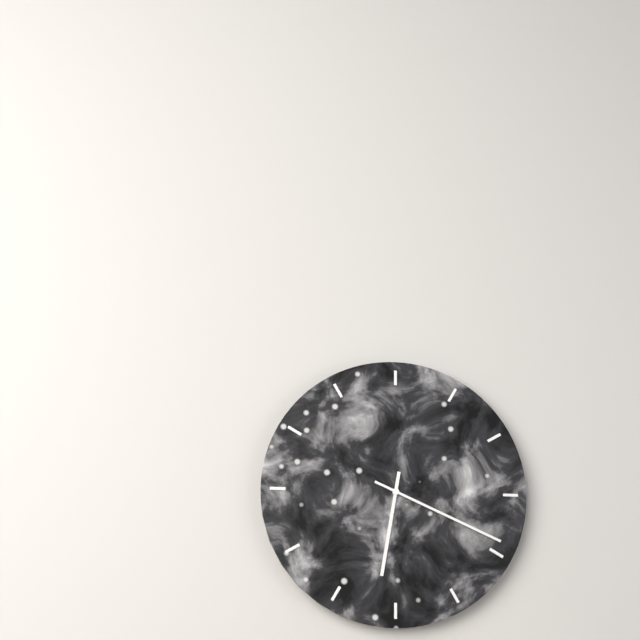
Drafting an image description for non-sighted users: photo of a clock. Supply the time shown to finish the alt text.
6:19
